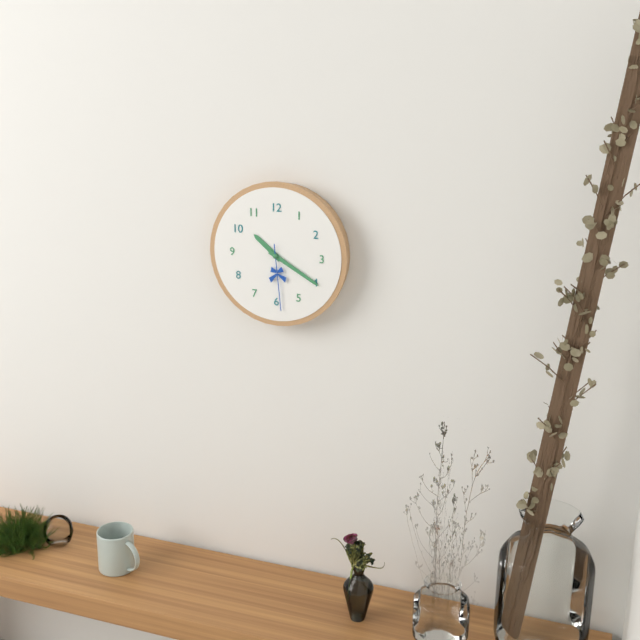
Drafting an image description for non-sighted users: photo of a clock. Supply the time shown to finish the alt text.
10:20:29
